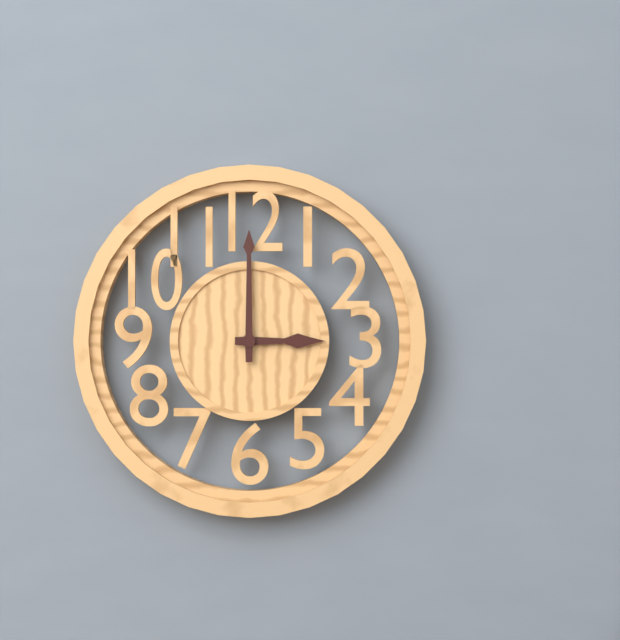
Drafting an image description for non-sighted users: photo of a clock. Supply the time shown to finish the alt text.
3:00
